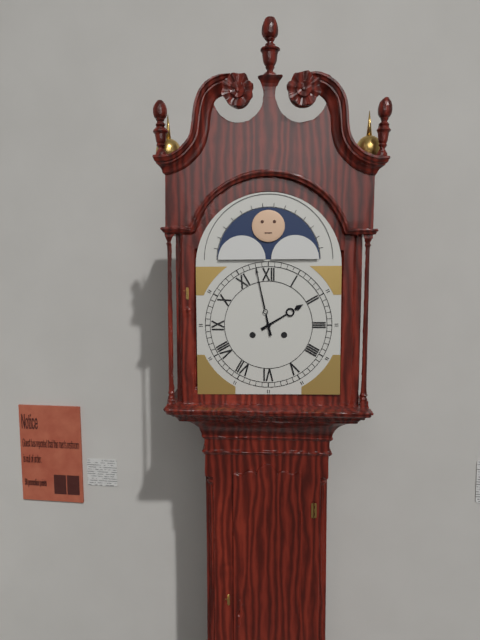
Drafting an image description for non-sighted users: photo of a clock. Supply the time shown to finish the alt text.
1:58
